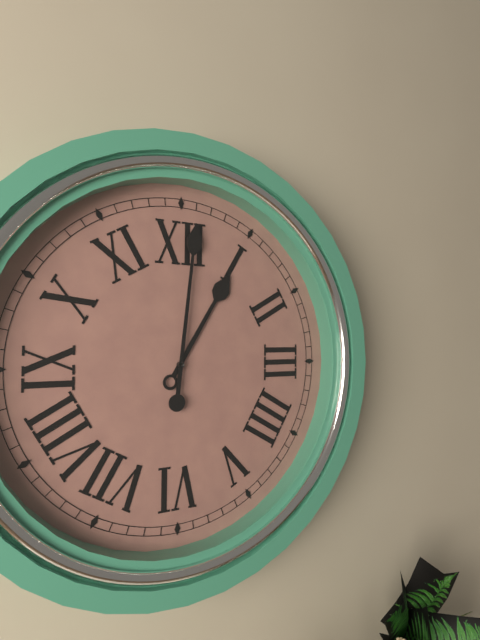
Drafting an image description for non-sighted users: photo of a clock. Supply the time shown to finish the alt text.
1:01
